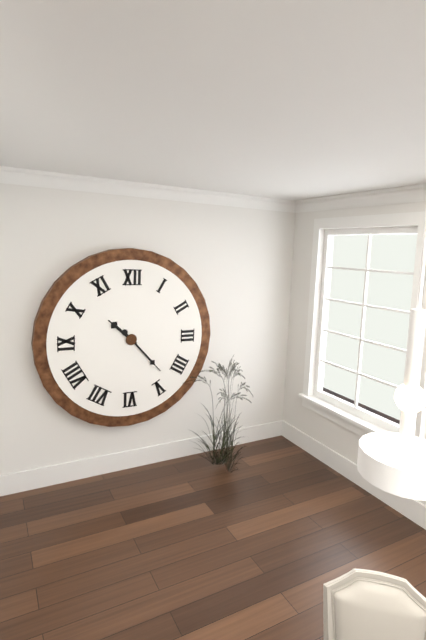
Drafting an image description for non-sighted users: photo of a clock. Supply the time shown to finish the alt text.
10:23
